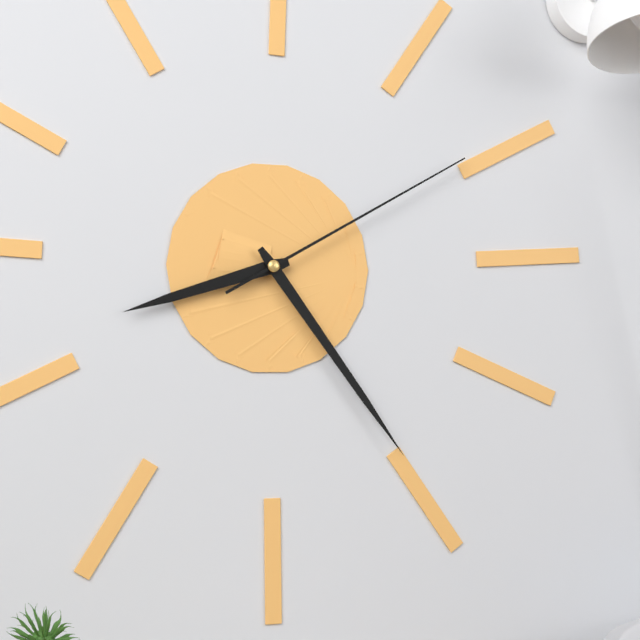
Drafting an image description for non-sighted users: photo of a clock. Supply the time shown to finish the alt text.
8:24:10
